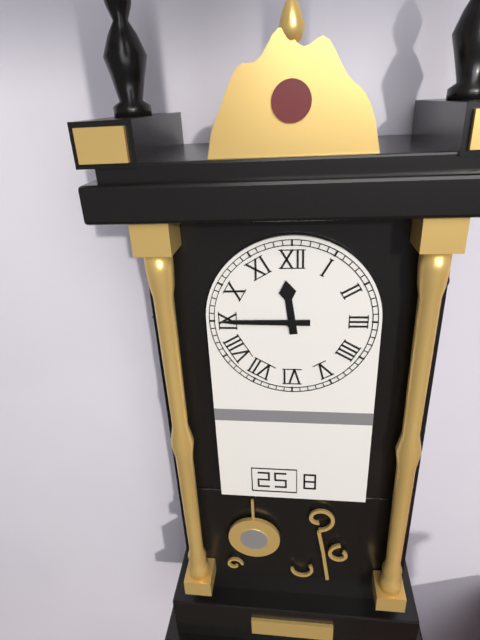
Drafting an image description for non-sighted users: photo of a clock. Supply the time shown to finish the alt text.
11:45
